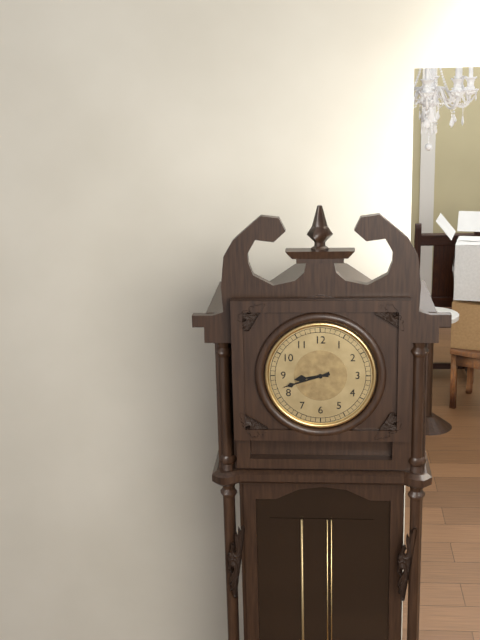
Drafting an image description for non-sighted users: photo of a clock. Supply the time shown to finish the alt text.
8:42
